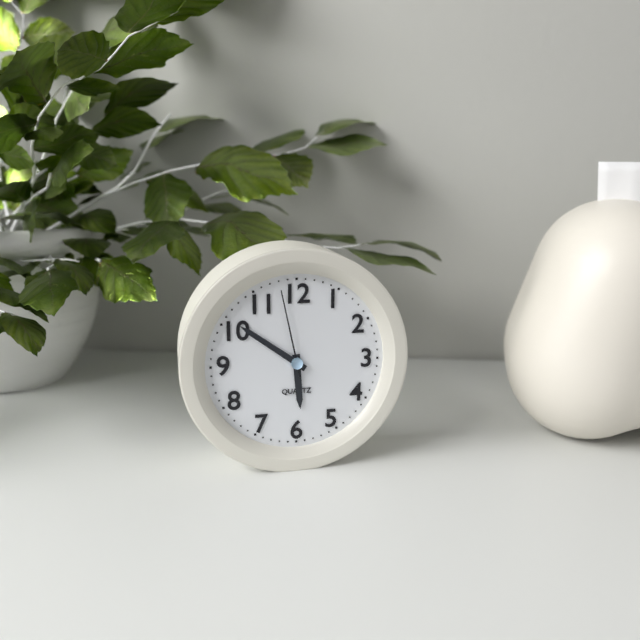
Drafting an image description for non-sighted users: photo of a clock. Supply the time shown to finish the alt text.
5:51:58
